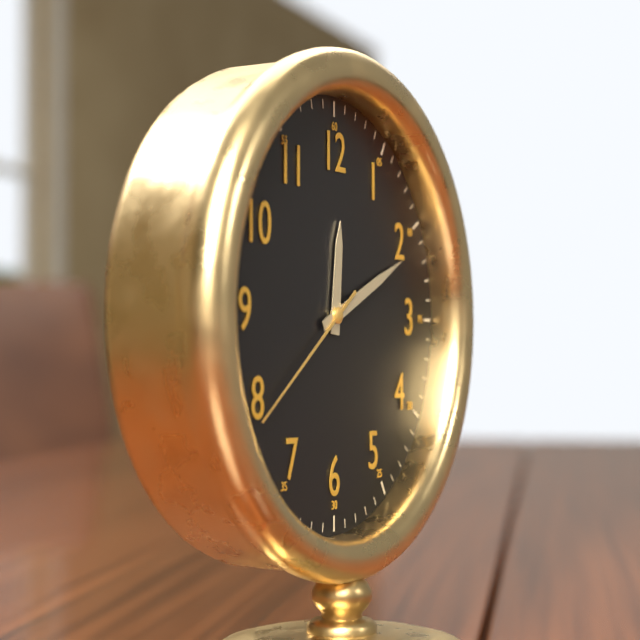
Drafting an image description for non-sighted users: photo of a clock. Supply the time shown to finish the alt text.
12:11:39
